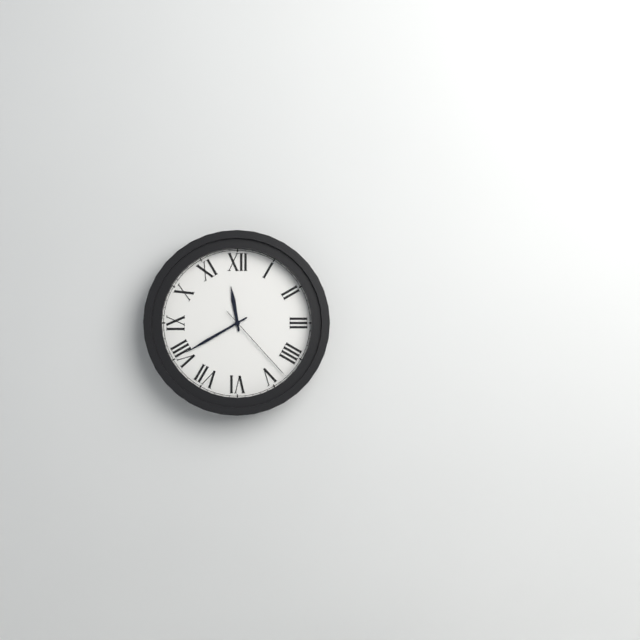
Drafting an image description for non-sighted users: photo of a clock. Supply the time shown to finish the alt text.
11:40:23
